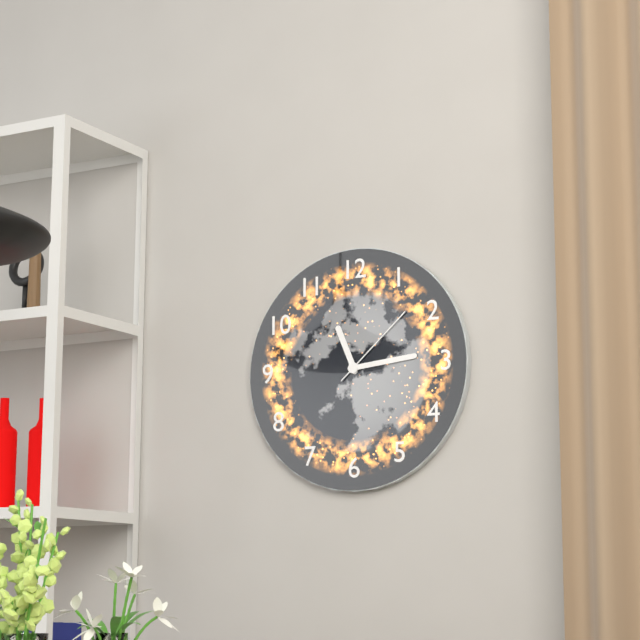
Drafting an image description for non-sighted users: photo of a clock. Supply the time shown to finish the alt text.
11:14:08
